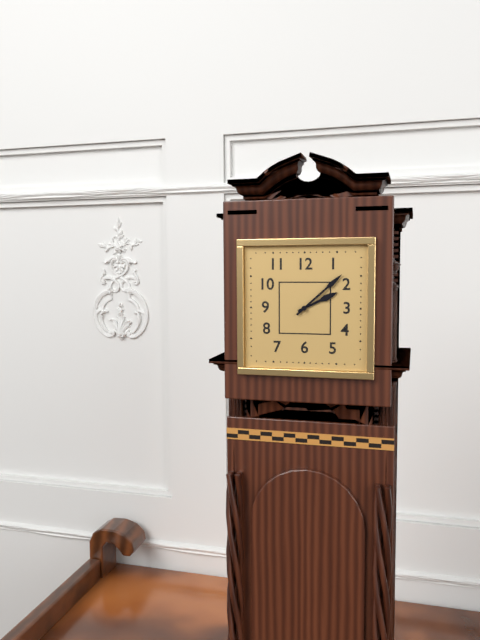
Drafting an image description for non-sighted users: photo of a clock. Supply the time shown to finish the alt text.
2:08
